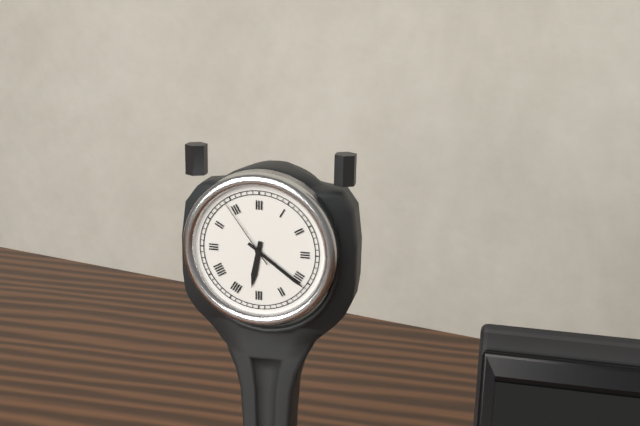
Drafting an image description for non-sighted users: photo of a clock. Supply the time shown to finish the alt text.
6:21:54
